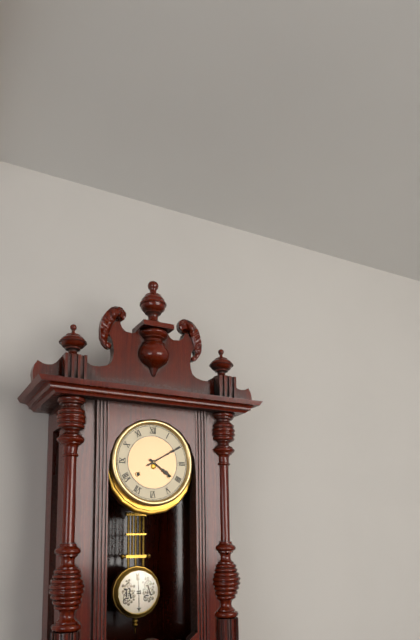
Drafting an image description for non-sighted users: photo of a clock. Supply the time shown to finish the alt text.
4:10
